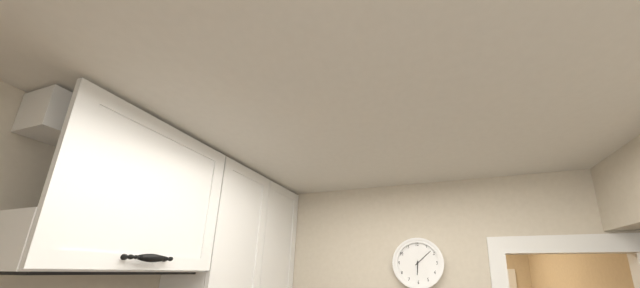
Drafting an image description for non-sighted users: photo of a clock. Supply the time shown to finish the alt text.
6:08
